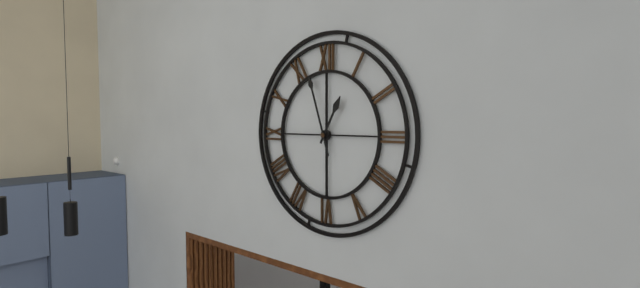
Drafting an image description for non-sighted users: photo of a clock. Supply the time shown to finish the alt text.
12:57
